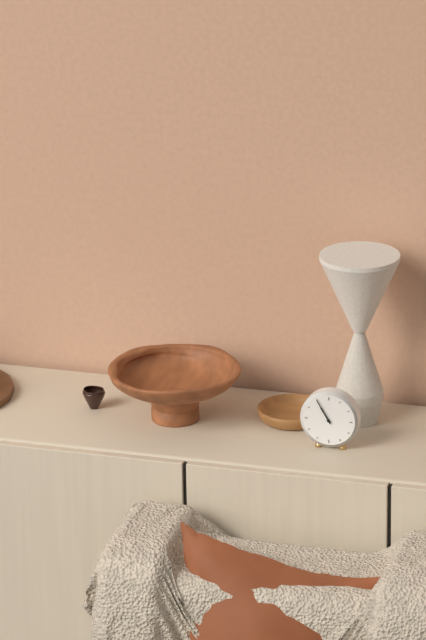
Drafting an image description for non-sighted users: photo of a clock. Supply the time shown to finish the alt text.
10:55
